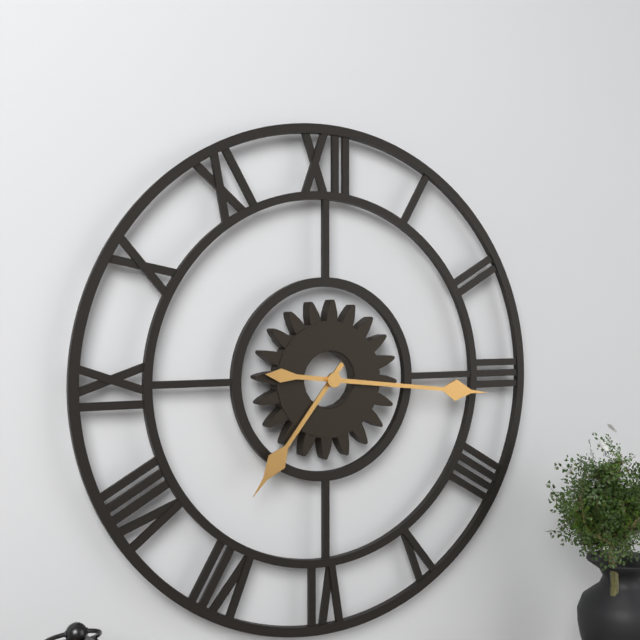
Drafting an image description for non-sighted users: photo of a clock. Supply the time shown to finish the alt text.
7:16
